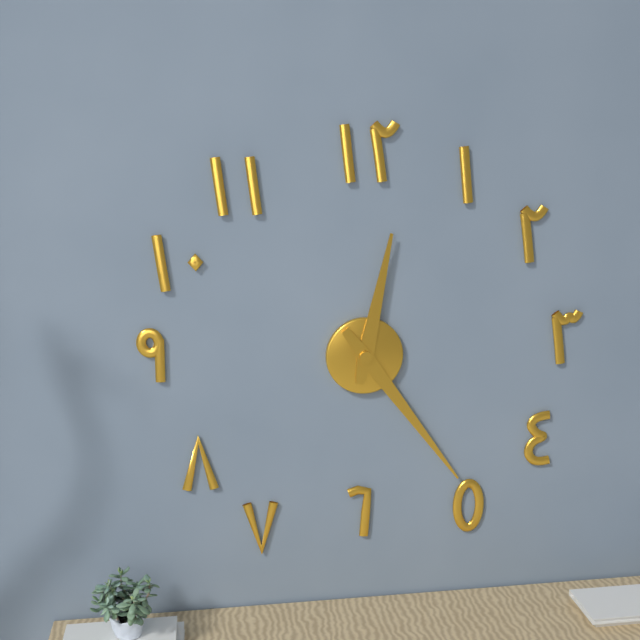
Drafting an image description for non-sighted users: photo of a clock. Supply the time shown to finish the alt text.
12:24
